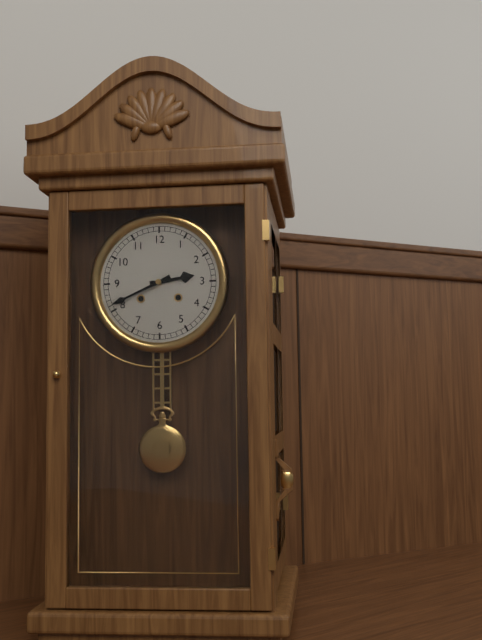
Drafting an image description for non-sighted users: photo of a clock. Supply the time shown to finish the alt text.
2:41
